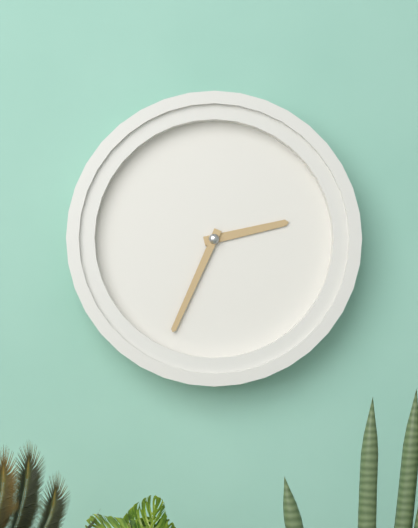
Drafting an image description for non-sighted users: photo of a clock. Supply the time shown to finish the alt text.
2:34
